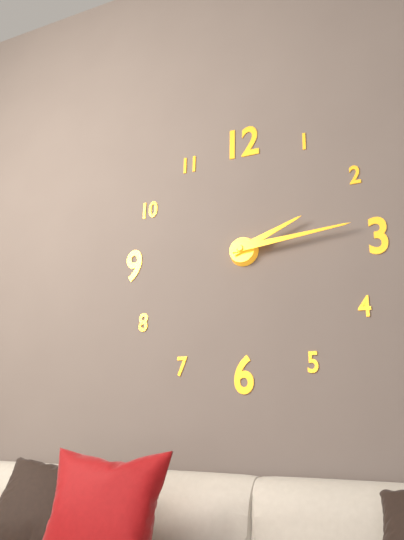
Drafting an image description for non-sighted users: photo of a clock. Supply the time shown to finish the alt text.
2:14
